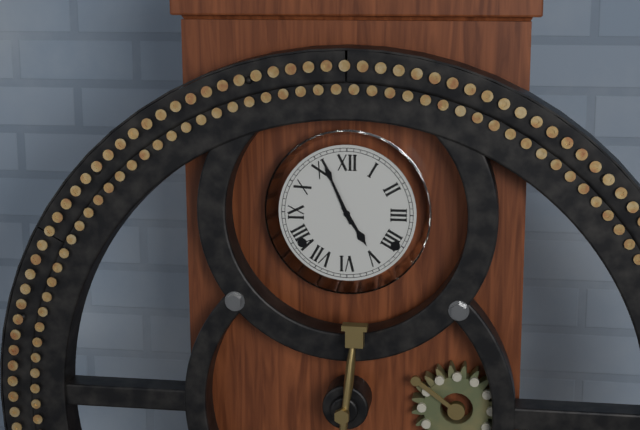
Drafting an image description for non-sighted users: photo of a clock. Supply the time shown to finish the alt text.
4:56
